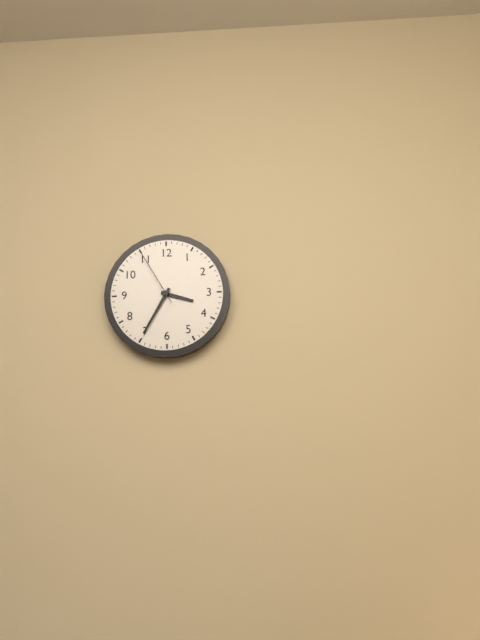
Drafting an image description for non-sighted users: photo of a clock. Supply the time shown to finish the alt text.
3:35:55
